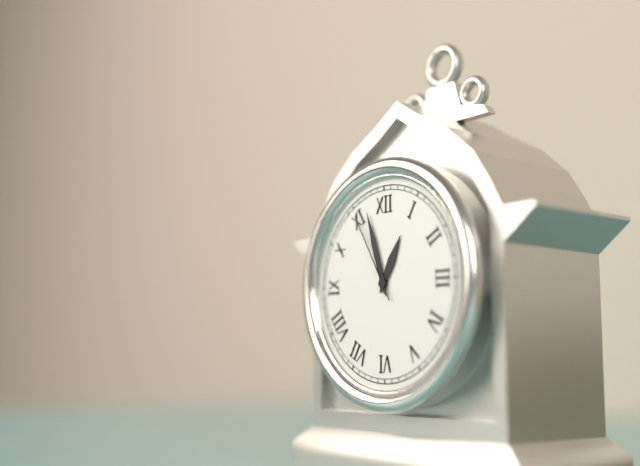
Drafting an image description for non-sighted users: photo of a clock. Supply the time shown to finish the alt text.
12:57:55
